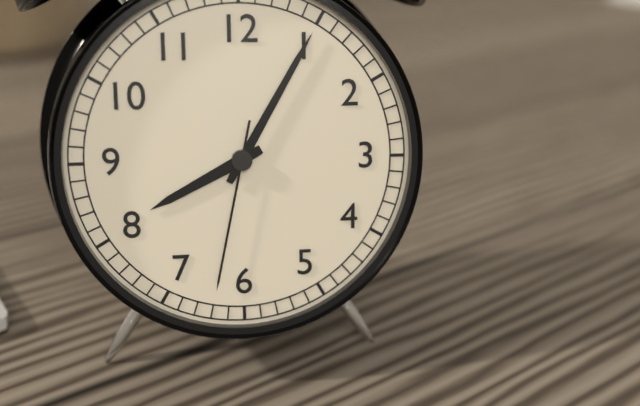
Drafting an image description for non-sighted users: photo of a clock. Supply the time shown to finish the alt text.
8:05:32
